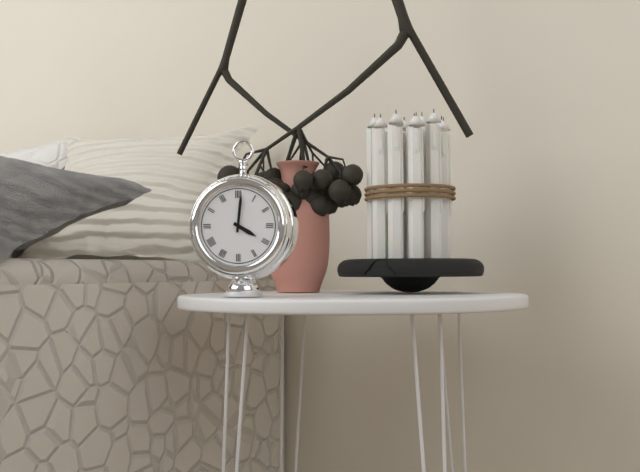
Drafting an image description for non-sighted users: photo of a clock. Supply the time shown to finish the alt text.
4:01
